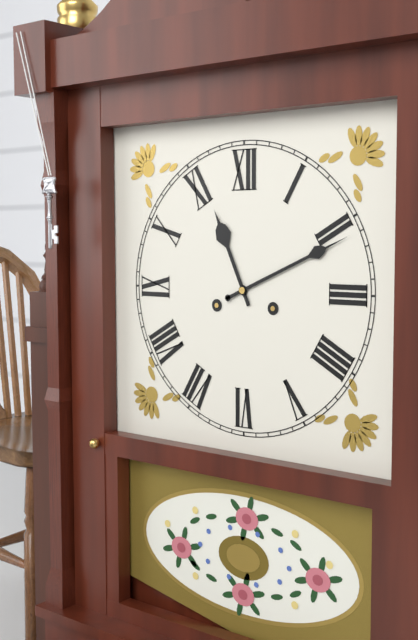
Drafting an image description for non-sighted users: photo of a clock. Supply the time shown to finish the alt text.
11:11
